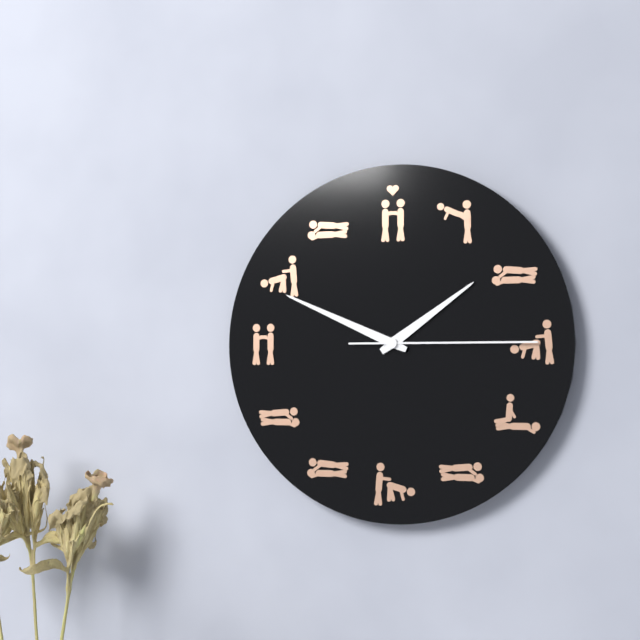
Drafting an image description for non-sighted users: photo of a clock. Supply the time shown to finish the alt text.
1:49:15
